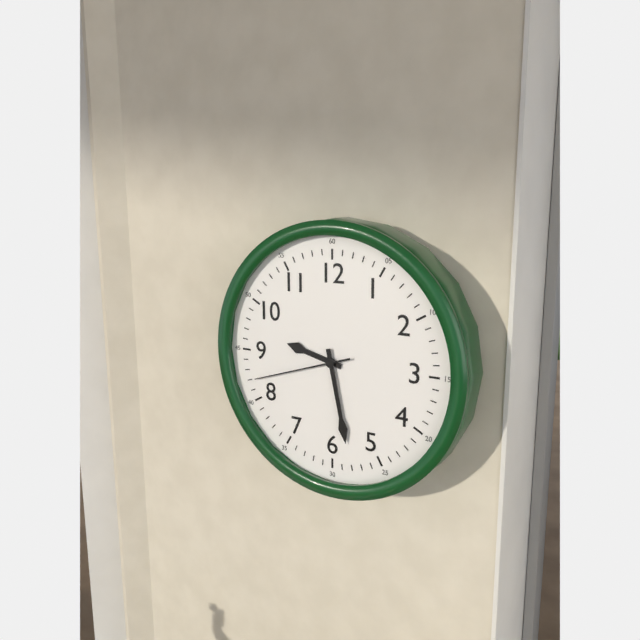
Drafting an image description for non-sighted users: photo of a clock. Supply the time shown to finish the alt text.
9:28:42
